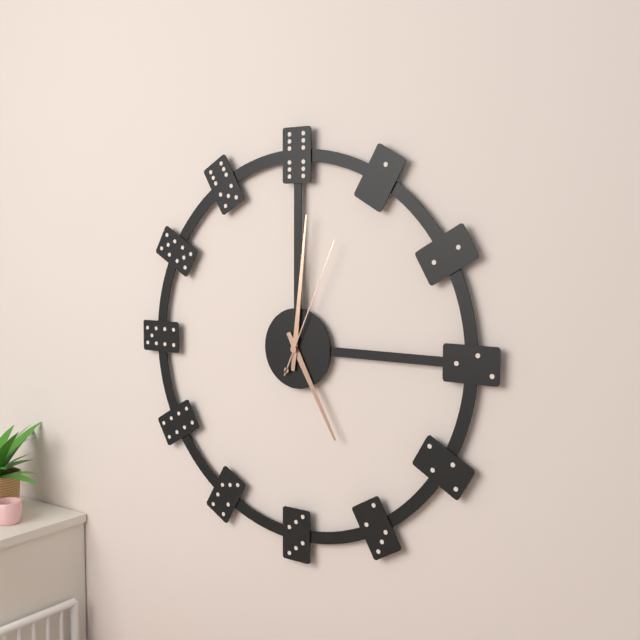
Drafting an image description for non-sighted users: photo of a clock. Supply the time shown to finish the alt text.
5:01:04
